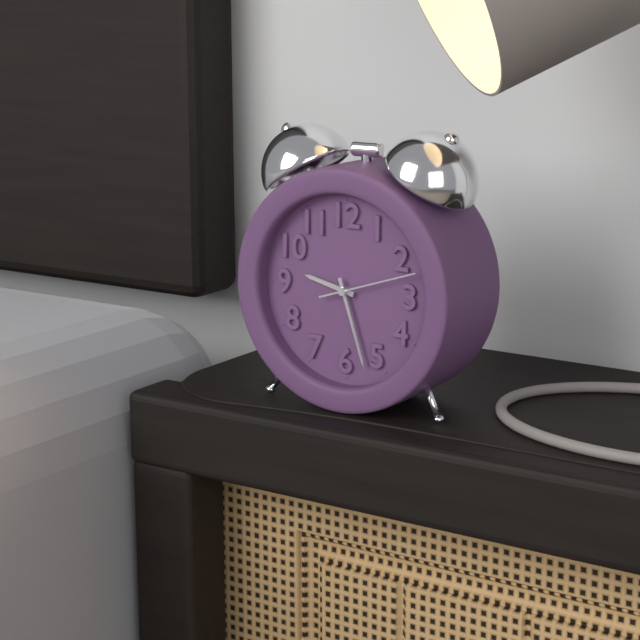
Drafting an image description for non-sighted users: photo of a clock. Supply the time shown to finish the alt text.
9:27:12
